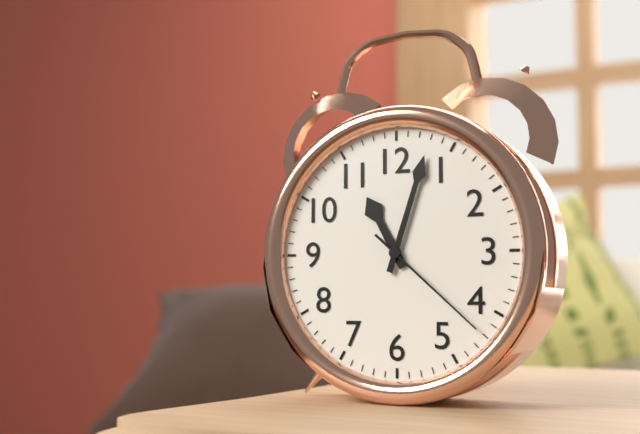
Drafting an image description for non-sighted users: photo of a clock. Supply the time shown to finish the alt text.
11:03:22
